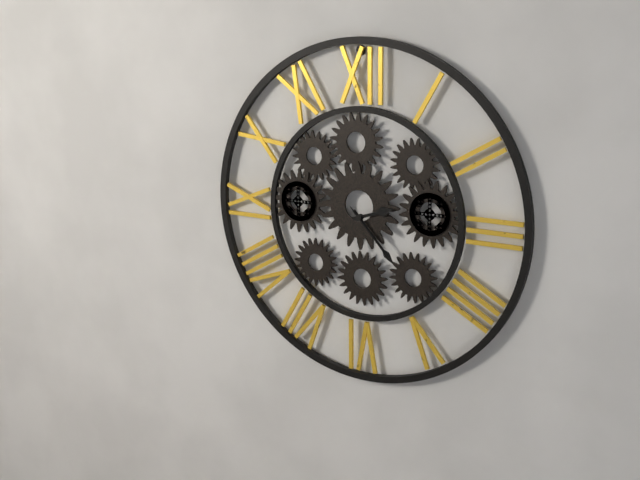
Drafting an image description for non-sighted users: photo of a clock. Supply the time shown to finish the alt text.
2:23:23
